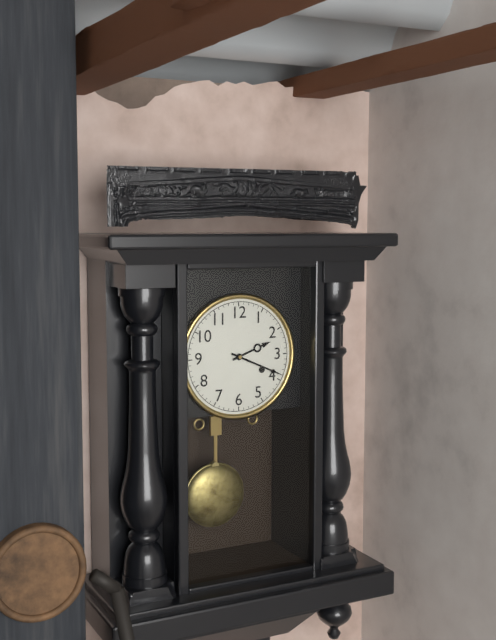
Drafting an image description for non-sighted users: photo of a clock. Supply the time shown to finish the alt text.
2:19
